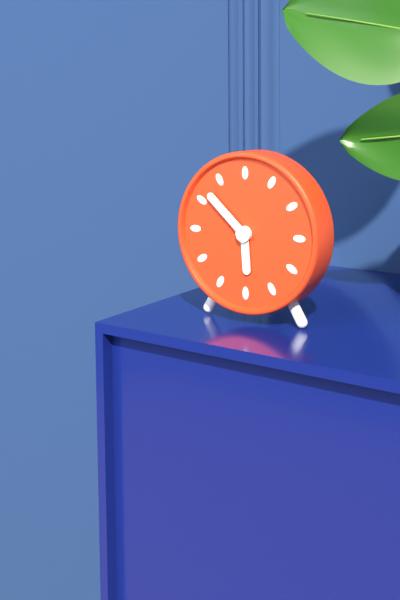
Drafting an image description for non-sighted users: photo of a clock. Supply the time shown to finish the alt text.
5:52
